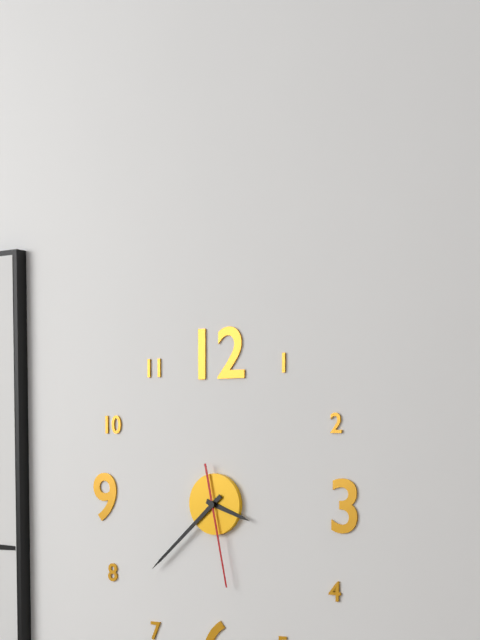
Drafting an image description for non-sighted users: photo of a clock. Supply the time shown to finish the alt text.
3:38:28
